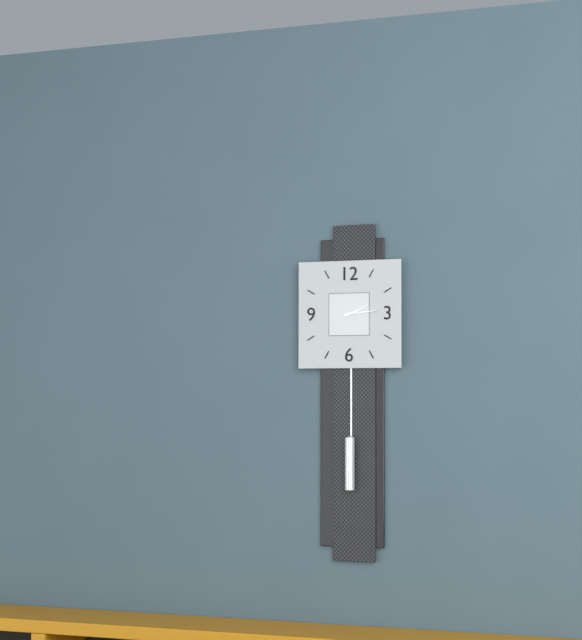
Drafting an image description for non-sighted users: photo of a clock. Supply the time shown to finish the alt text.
2:14
